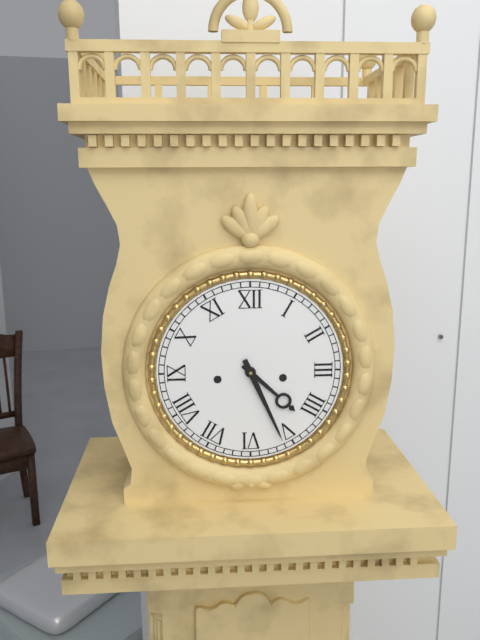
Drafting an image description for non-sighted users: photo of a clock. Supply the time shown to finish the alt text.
4:26
